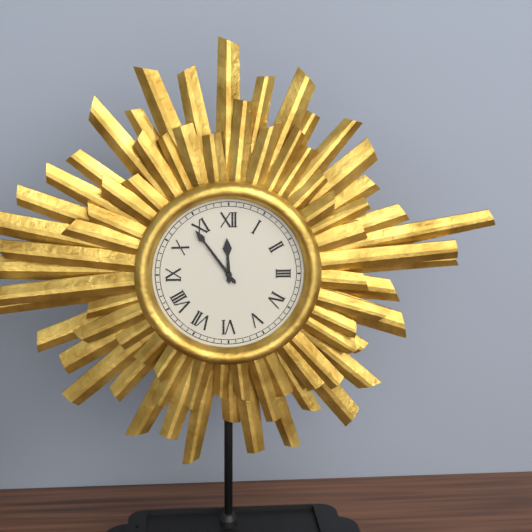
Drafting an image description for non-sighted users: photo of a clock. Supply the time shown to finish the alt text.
11:54
